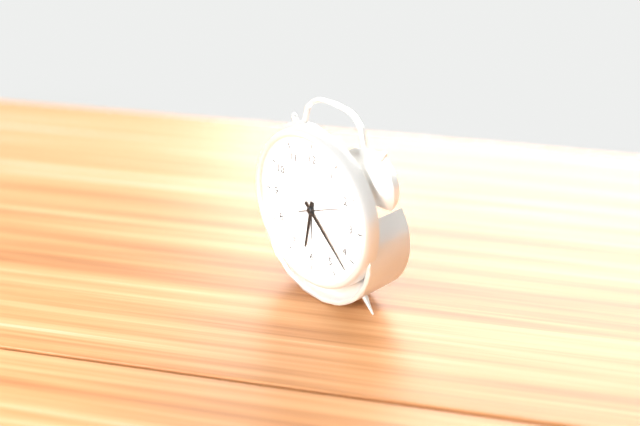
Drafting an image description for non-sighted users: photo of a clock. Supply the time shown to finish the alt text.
6:22:11
